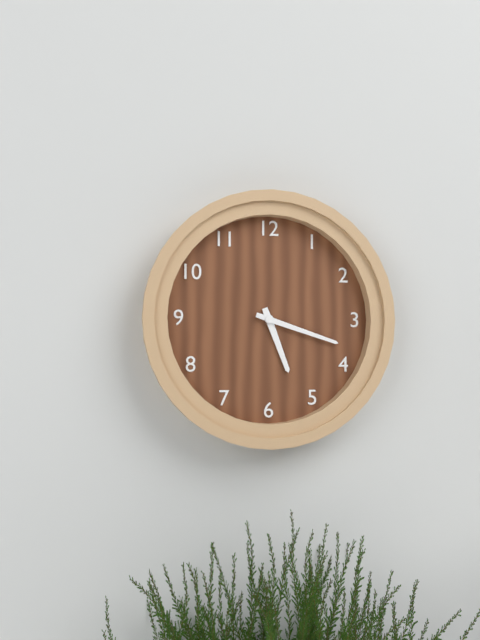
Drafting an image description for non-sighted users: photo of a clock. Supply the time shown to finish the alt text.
5:18
